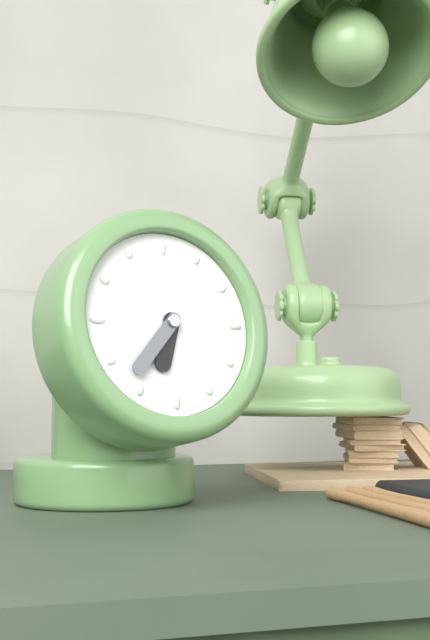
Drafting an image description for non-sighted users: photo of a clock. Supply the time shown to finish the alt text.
6:37
